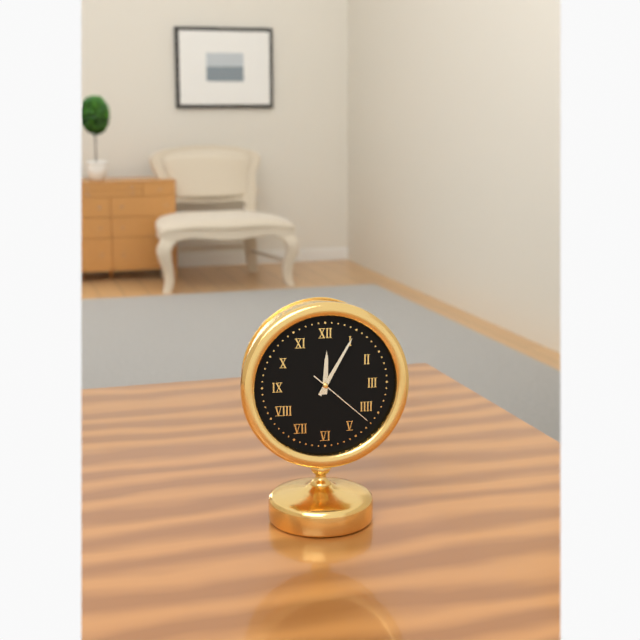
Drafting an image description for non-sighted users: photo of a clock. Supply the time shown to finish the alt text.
12:05:22
